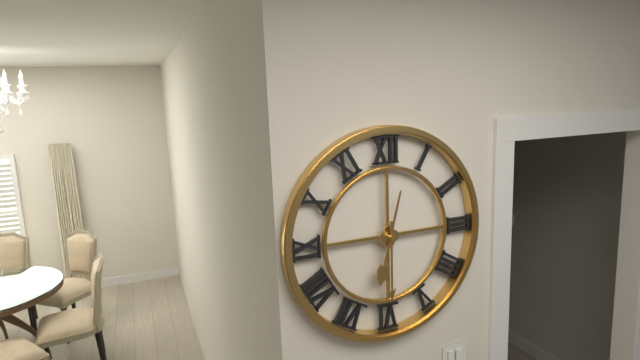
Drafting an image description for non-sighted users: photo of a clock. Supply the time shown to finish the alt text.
6:30
